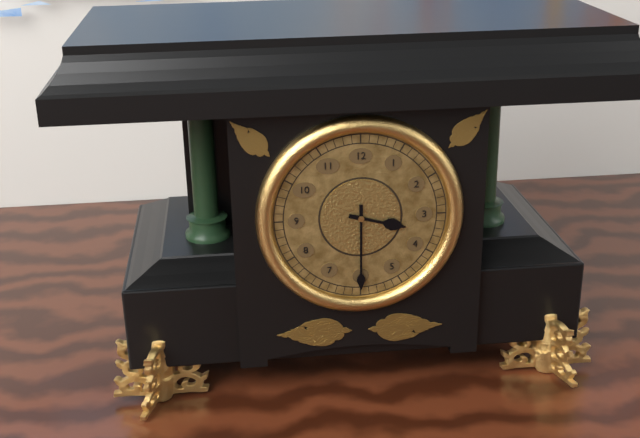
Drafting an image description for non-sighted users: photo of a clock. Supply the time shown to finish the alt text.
3:30
